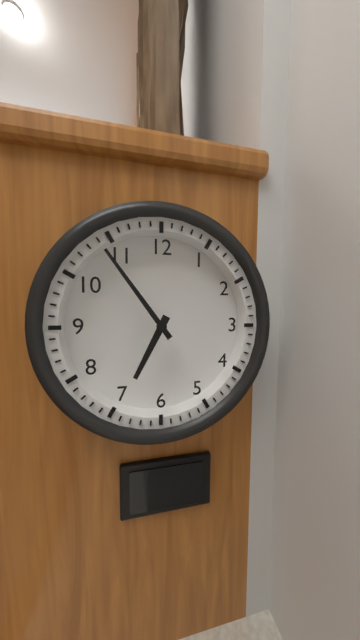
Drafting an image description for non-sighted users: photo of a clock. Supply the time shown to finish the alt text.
6:54
